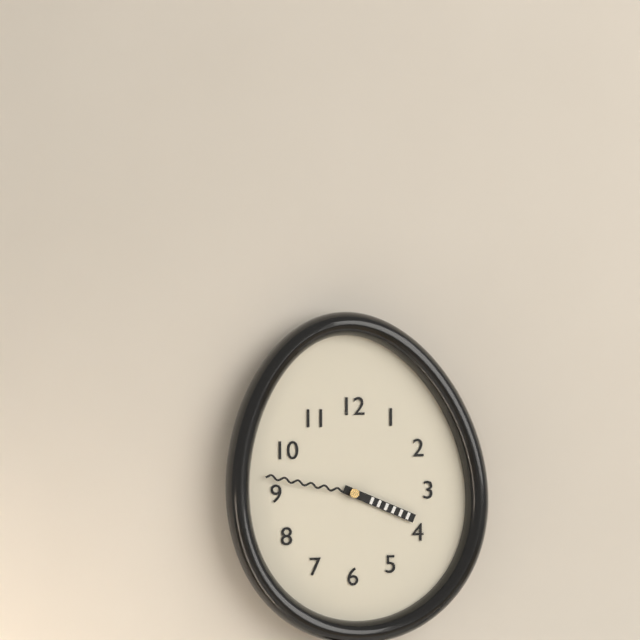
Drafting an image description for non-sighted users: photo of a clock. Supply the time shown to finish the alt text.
3:47
